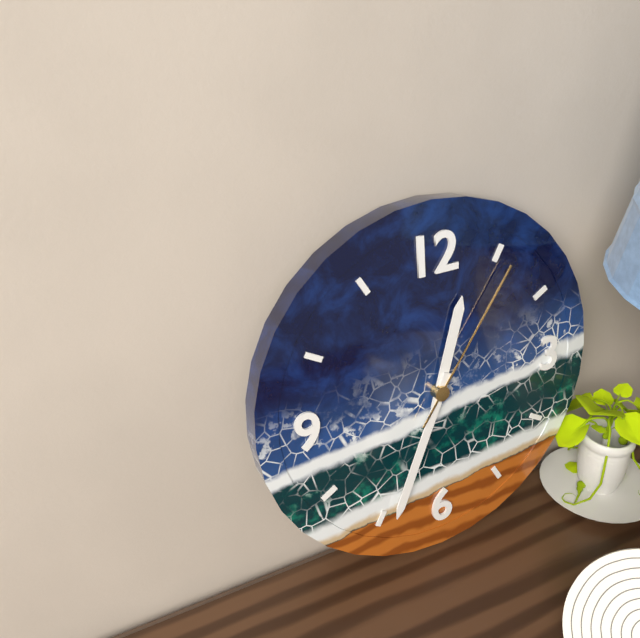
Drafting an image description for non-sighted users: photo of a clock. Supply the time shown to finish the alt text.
12:34:06
